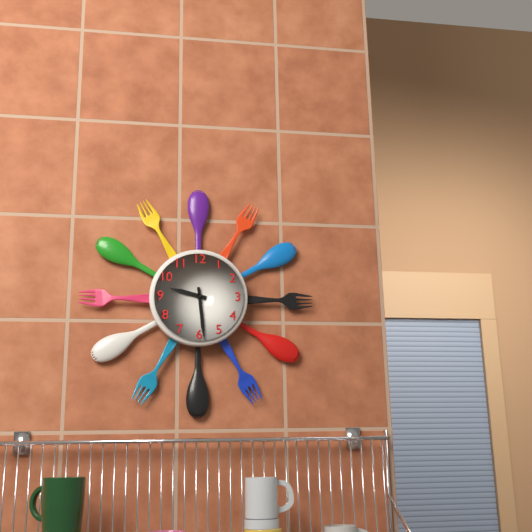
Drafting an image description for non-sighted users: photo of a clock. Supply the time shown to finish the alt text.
9:29
